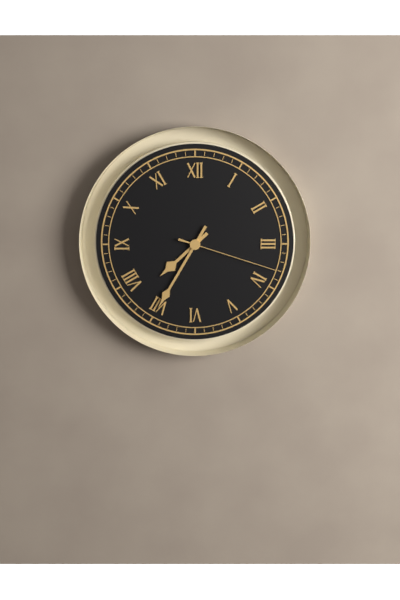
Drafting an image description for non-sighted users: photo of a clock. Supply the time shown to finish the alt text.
7:35:18
